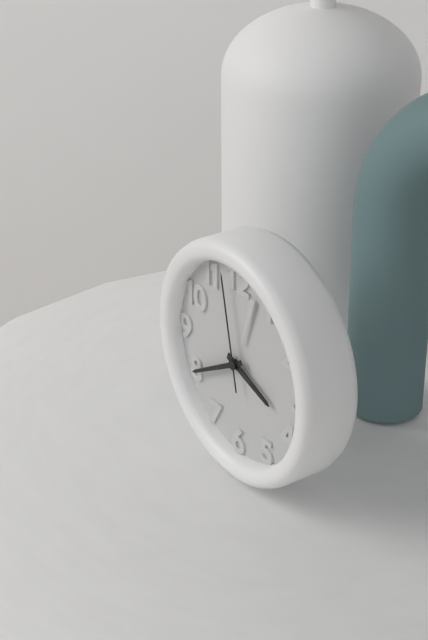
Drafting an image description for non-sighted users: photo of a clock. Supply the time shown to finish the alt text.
3:40:58
